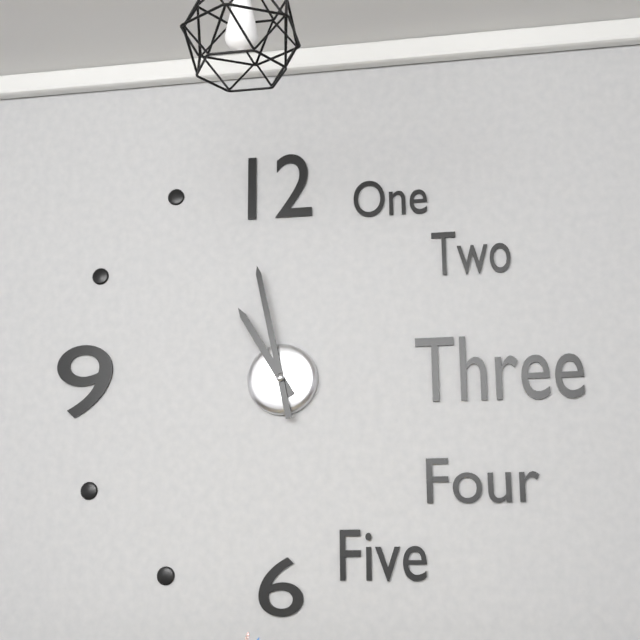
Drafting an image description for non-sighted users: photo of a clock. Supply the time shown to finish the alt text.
10:58
